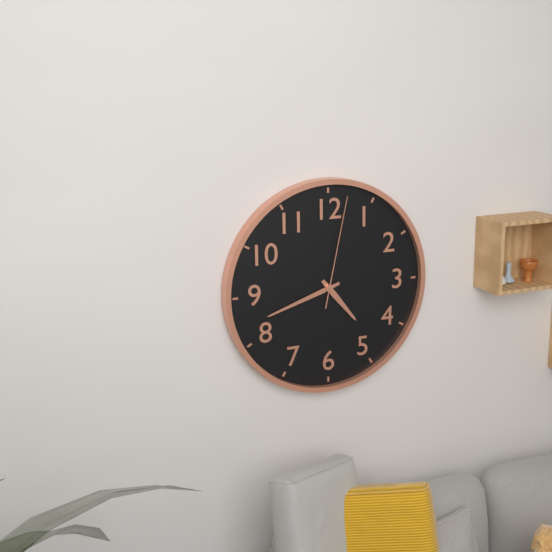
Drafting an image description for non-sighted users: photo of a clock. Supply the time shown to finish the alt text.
4:42:02
